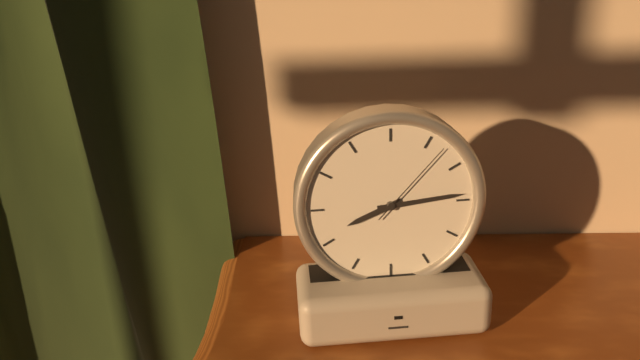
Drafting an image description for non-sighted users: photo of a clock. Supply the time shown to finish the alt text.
8:14:07
